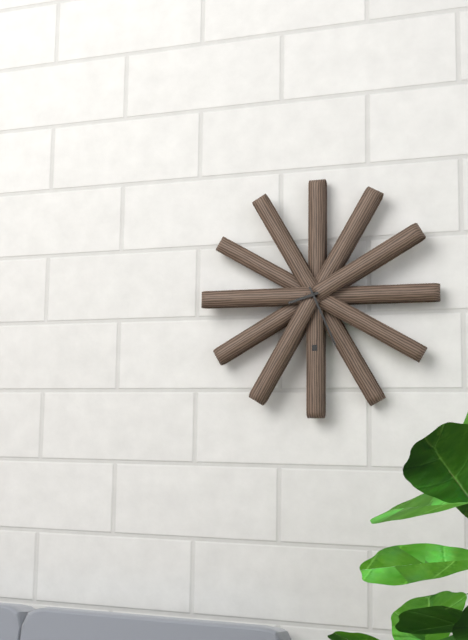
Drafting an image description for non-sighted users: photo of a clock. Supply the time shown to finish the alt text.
8:26
